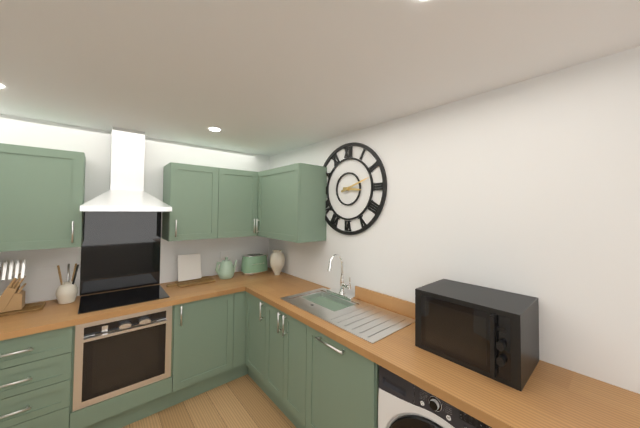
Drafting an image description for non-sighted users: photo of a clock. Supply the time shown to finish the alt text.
3:12
